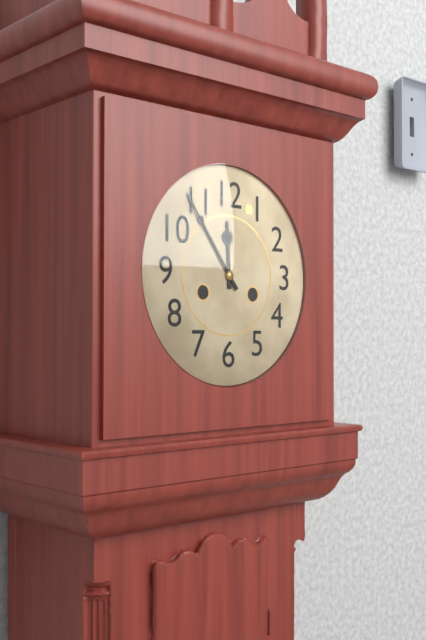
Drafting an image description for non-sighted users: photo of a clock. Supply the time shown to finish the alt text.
11:54
